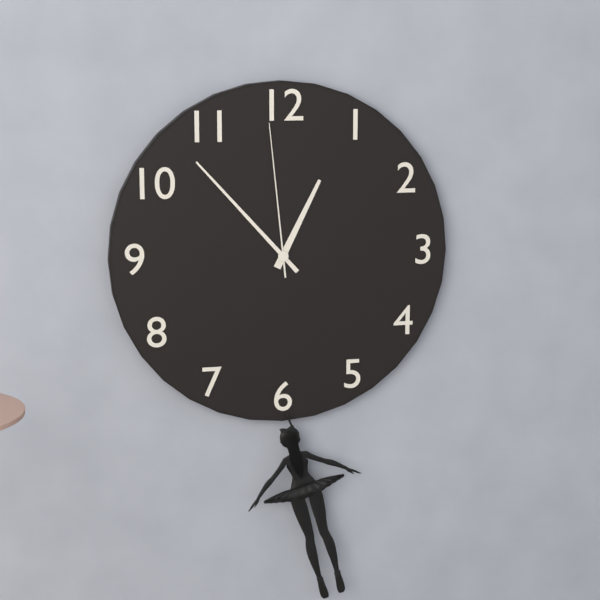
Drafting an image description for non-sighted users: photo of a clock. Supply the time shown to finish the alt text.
12:53:59
